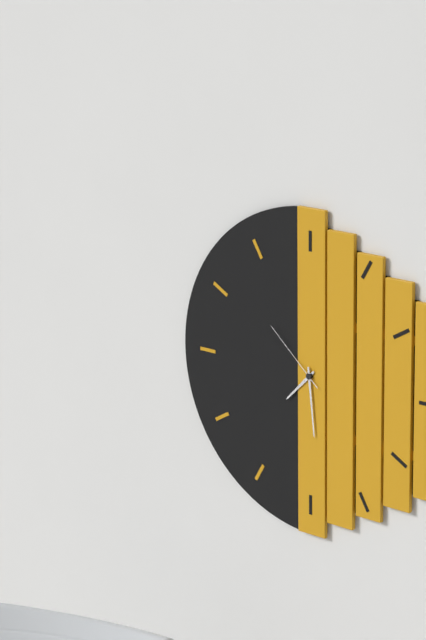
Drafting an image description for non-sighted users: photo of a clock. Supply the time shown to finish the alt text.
7:29:52
